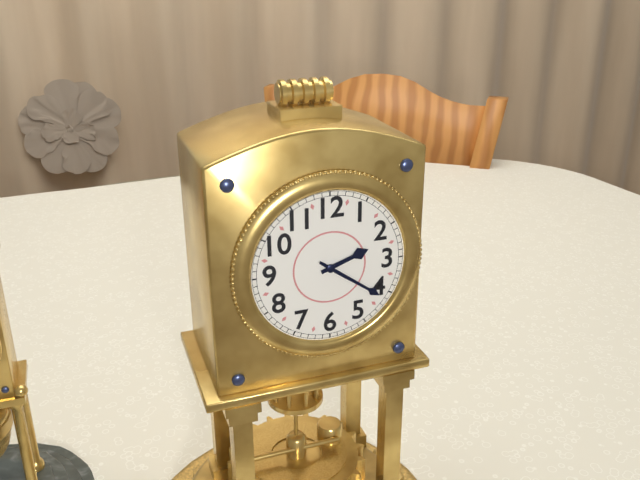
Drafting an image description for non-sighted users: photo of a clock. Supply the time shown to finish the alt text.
2:21
